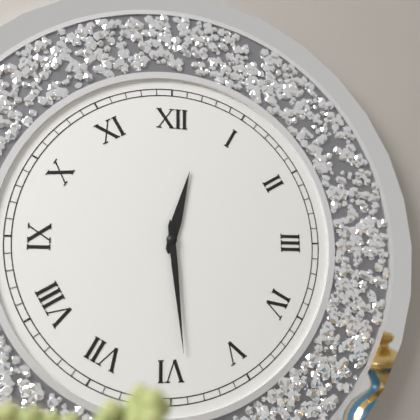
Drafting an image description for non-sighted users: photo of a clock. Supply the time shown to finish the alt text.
12:29
